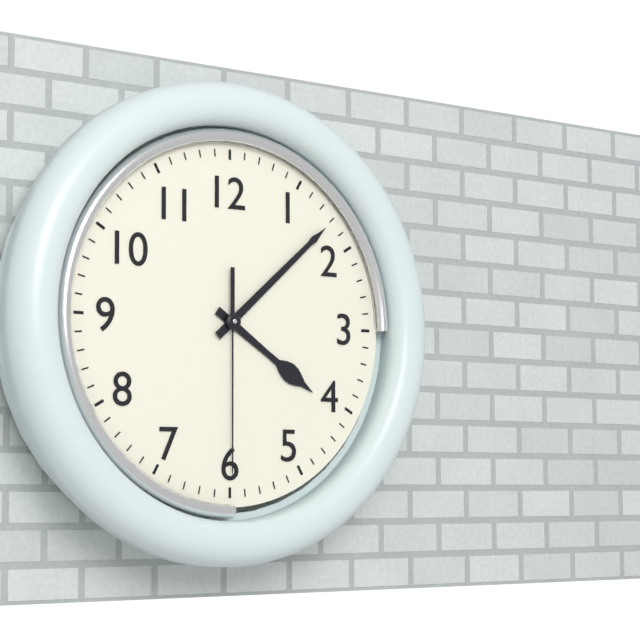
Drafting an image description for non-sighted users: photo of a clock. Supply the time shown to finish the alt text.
4:08:30
